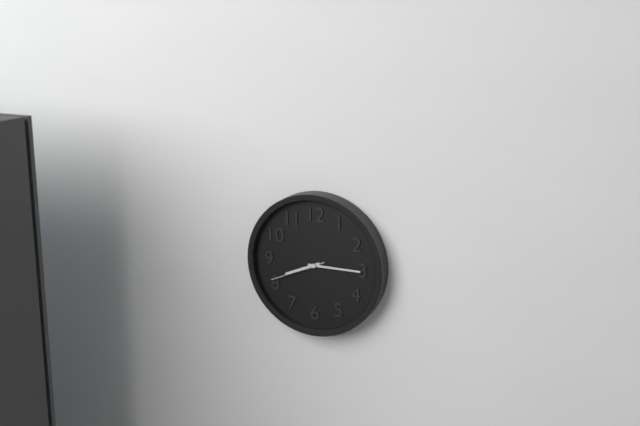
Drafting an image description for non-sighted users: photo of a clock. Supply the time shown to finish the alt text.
8:15:41
